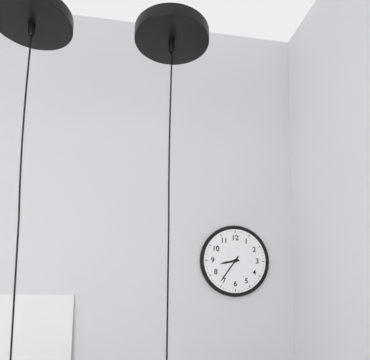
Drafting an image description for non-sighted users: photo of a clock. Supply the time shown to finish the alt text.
8:36
